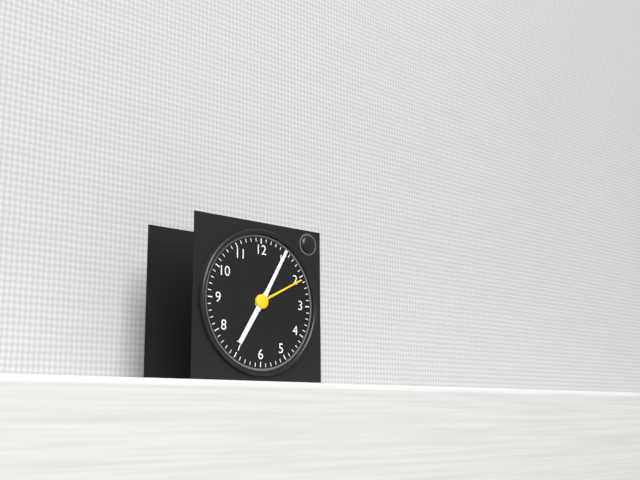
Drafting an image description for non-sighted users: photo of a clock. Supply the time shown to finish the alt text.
7:05
